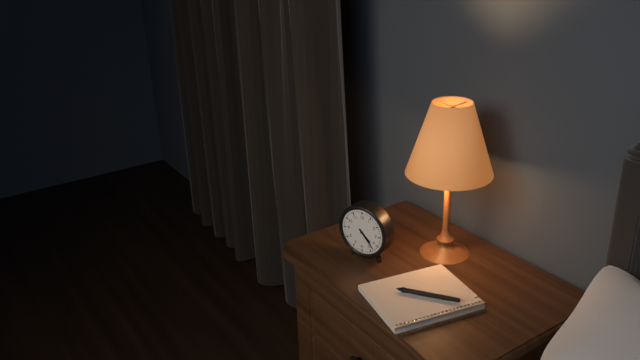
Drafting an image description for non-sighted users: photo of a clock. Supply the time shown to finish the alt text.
4:23
